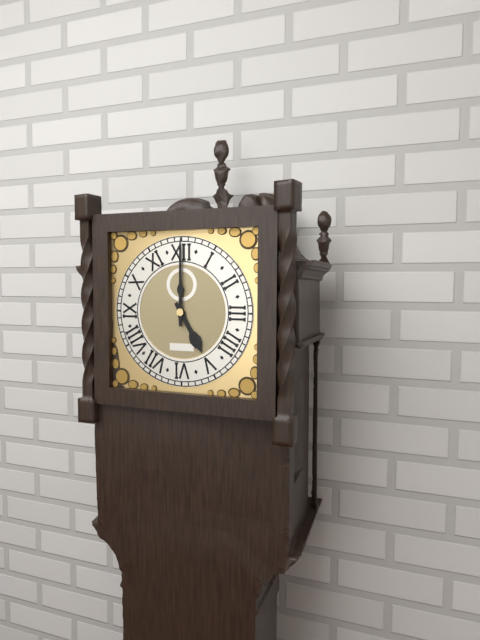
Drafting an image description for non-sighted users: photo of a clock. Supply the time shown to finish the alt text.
5:00
